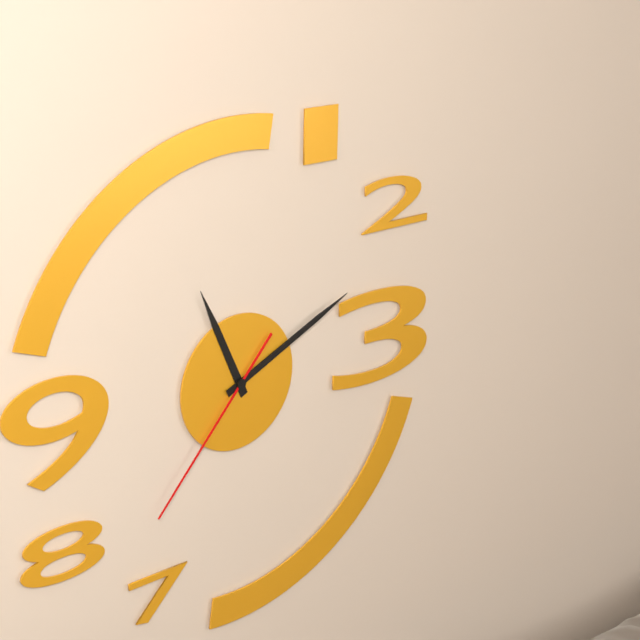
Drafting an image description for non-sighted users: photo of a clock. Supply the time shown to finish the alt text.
11:11:37
